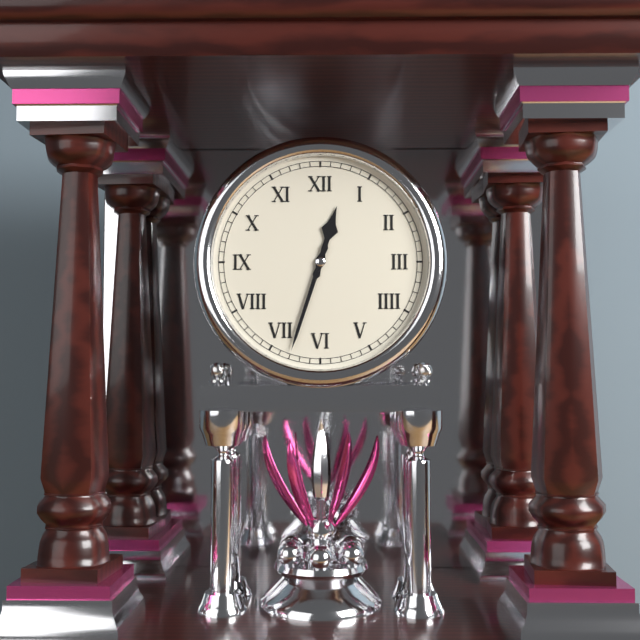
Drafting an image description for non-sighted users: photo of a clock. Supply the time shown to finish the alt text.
12:33
